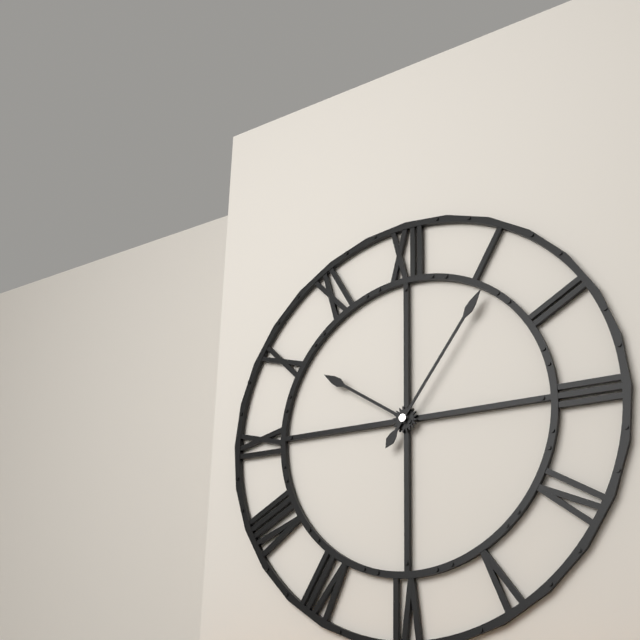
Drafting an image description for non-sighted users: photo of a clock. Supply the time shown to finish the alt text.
10:06
